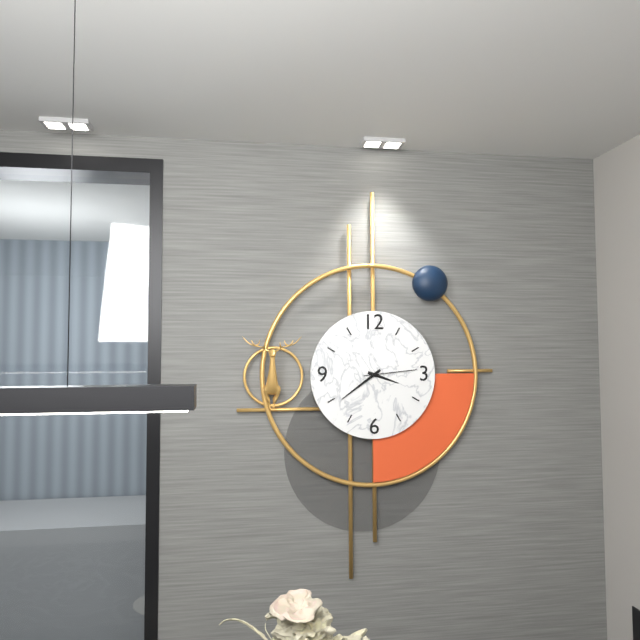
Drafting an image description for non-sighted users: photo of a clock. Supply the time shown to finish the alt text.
3:39:14
